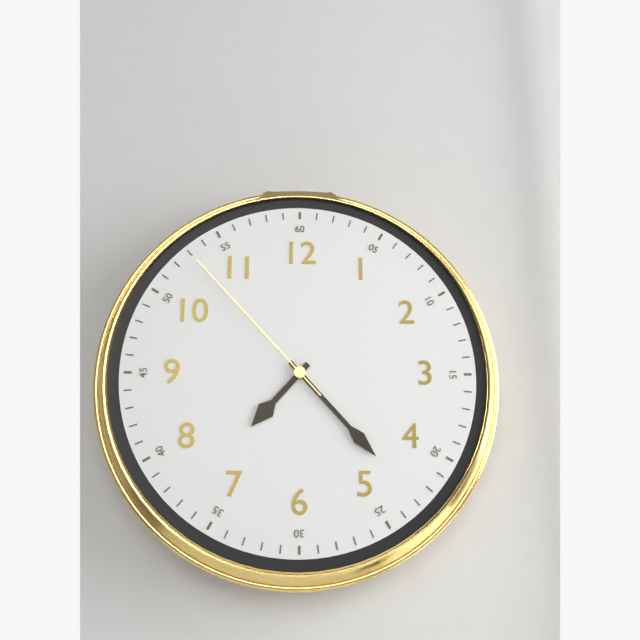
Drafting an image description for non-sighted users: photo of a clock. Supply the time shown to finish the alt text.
7:23:53
